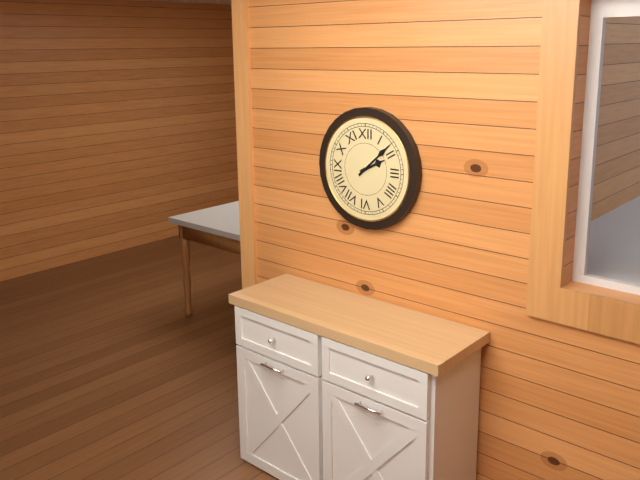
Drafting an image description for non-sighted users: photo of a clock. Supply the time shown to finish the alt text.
2:08
